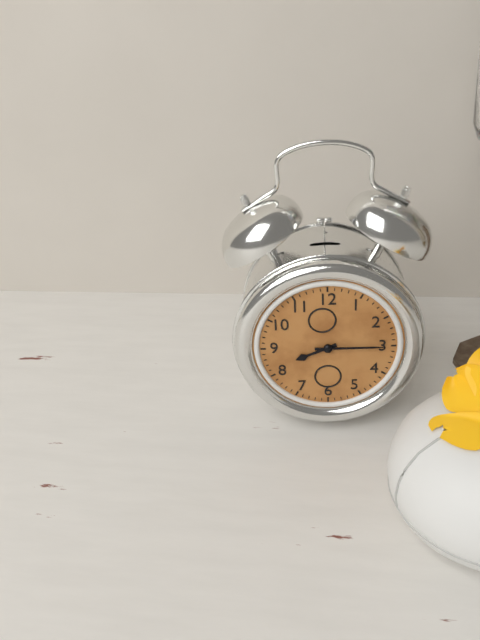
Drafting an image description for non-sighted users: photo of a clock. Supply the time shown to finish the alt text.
8:15
